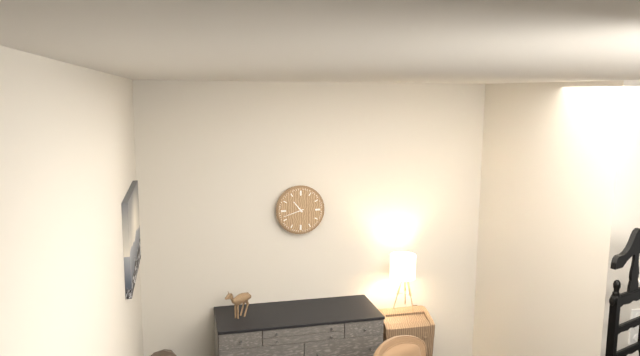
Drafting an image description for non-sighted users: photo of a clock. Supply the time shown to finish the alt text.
10:42
